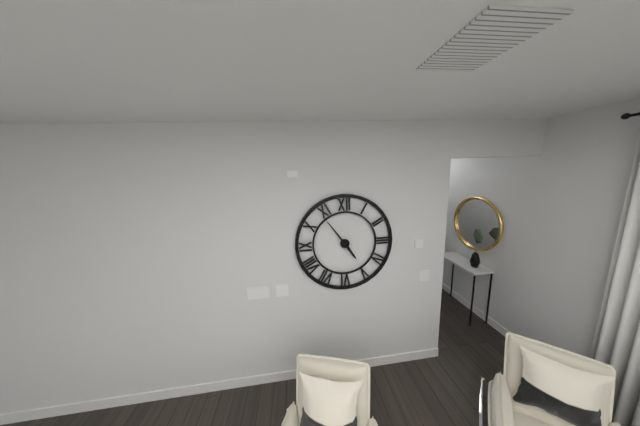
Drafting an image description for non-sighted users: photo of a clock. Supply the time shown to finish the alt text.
4:54
